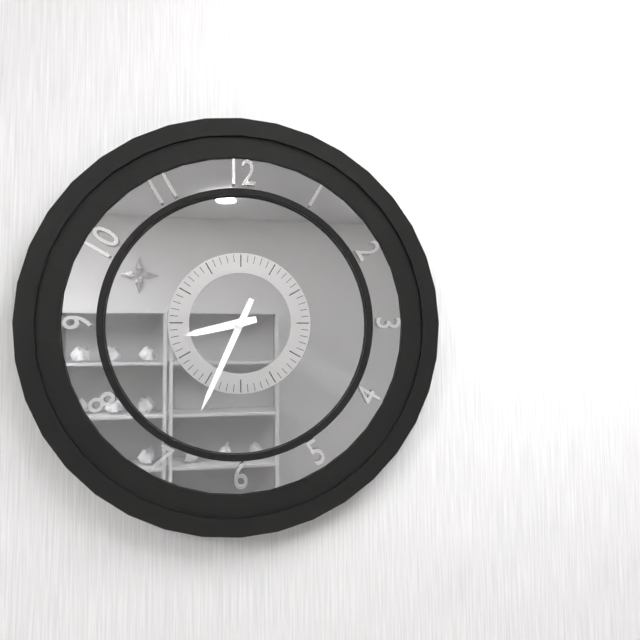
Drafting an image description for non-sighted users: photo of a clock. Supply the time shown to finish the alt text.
8:34
